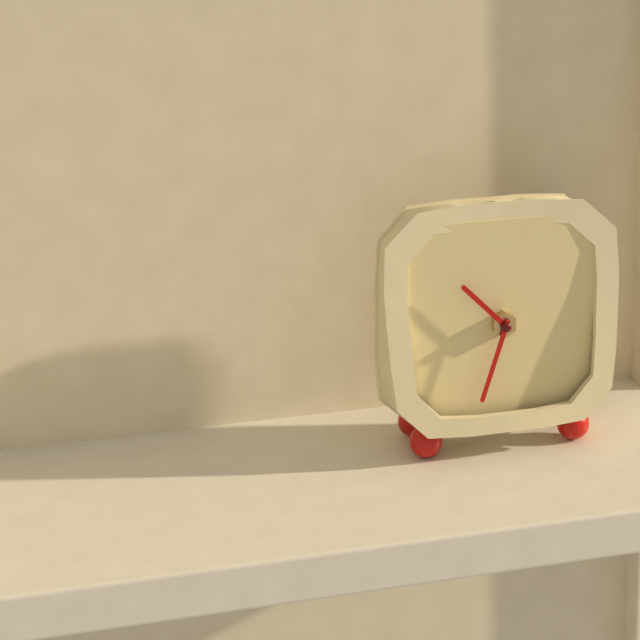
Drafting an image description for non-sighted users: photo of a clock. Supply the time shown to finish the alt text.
10:33
